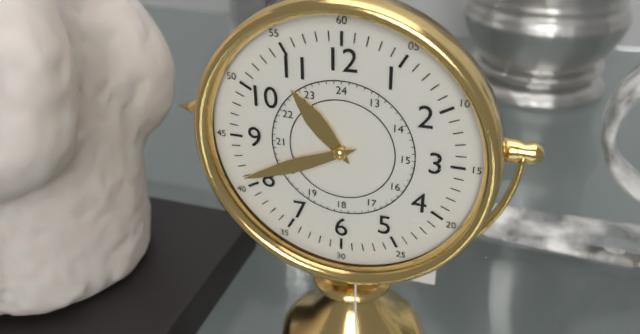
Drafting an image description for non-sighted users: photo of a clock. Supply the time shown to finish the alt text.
10:41
